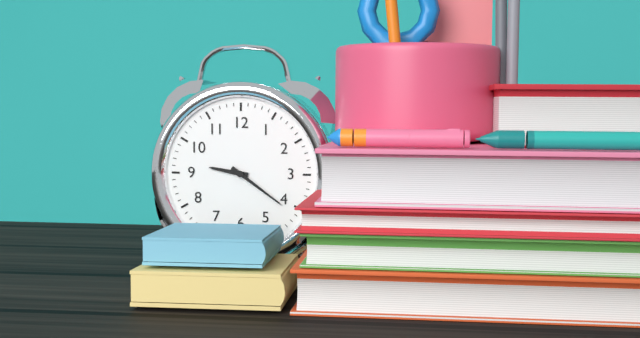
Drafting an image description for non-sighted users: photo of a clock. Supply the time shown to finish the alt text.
9:21
